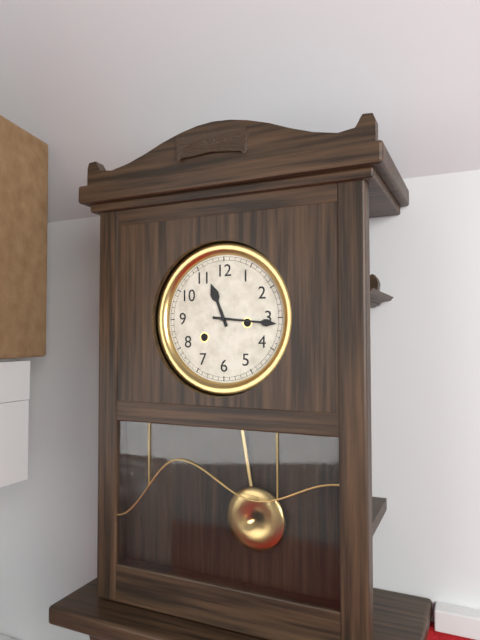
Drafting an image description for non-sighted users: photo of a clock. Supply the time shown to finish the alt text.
11:16
